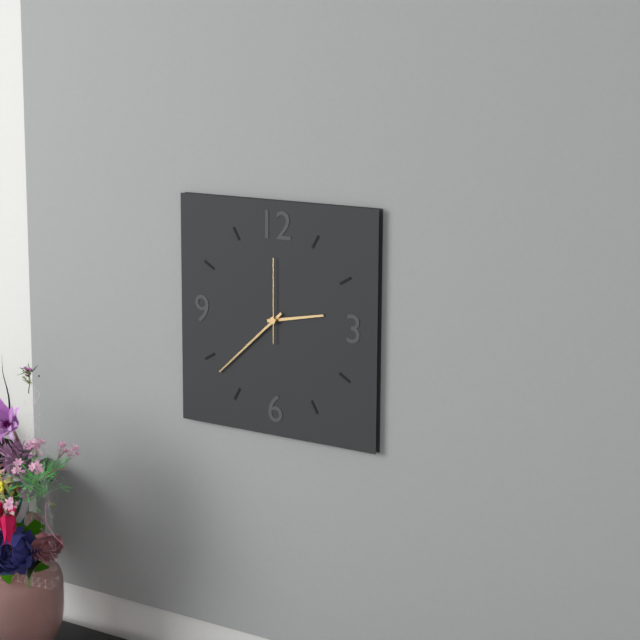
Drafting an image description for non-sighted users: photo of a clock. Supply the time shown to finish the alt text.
2:38:00
